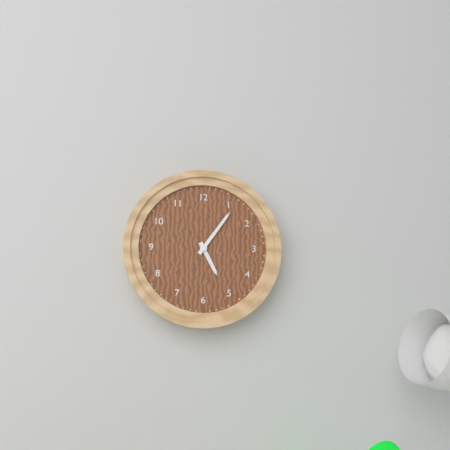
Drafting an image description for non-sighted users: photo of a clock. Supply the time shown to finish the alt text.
5:06
